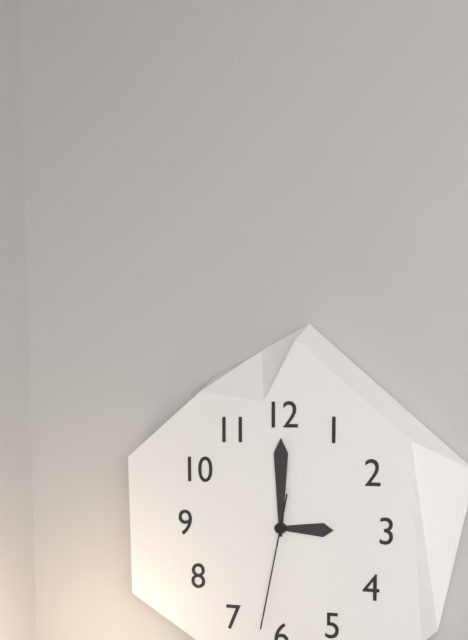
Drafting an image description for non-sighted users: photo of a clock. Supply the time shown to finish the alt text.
3:00:32
